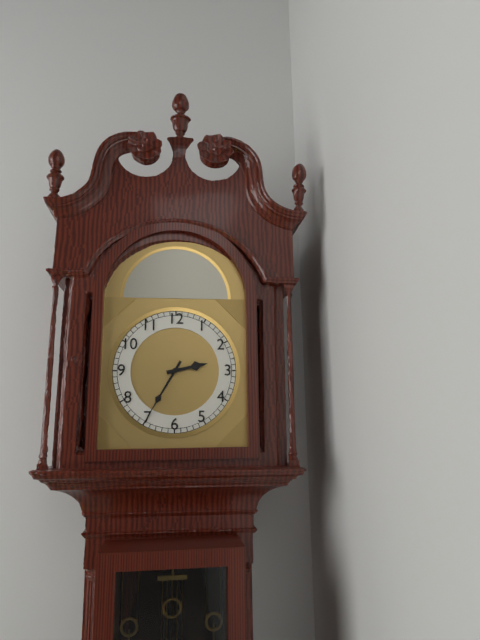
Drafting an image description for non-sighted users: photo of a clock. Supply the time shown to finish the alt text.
2:35
